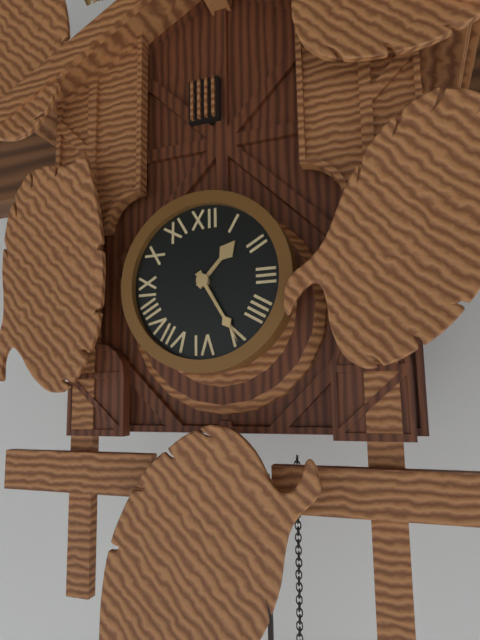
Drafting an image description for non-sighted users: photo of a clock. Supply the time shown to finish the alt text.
1:25
